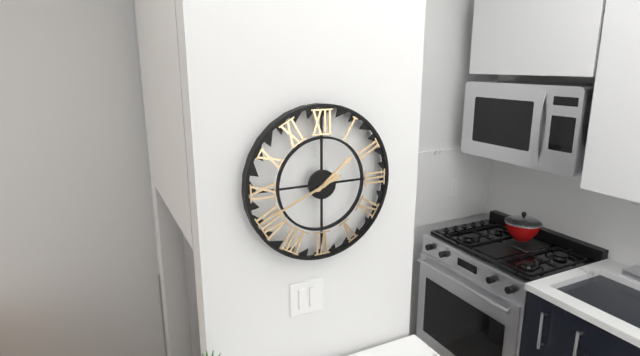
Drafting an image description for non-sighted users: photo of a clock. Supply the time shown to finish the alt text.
1:41
